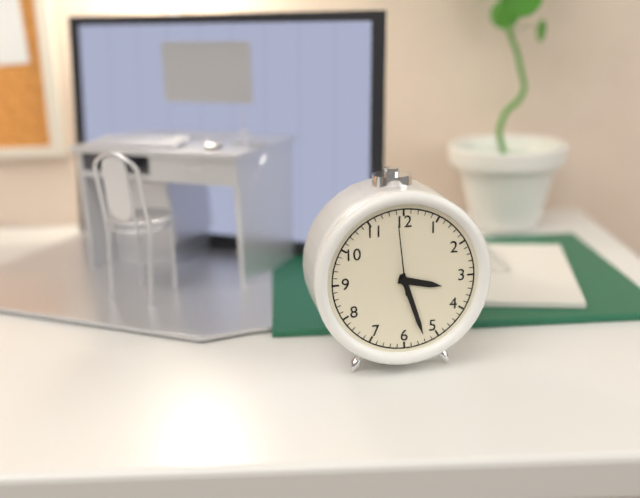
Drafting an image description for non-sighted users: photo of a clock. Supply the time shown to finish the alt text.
3:27:59
